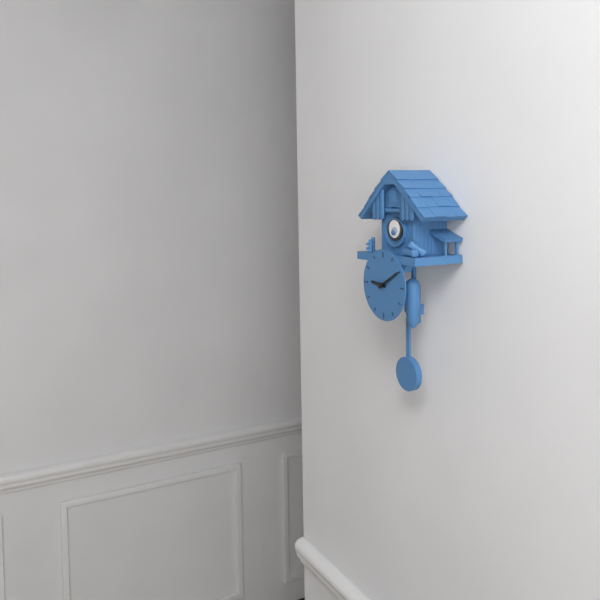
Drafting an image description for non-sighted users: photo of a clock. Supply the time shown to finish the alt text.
9:10
